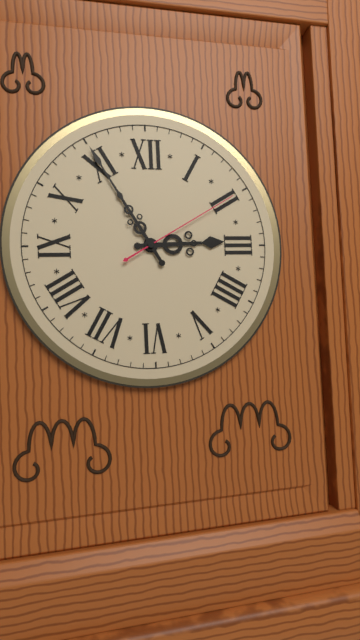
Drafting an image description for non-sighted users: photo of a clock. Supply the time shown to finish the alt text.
2:55:10
